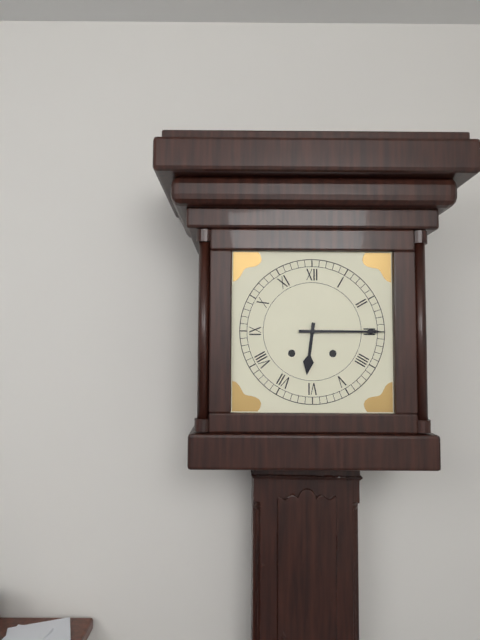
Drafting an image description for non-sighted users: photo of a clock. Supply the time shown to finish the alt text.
6:15
